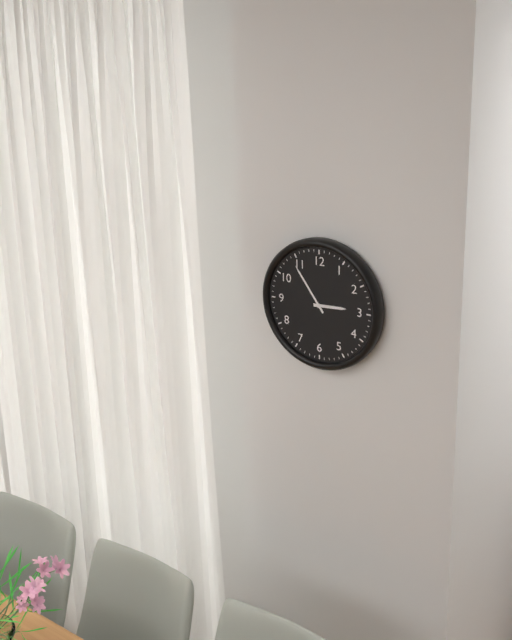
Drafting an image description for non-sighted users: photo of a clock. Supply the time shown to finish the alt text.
2:54
